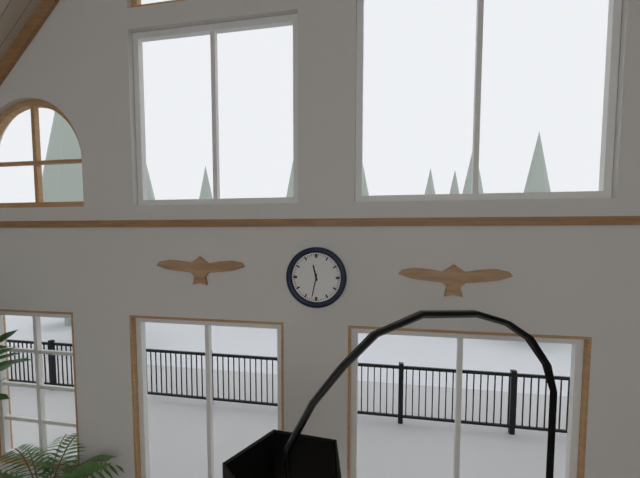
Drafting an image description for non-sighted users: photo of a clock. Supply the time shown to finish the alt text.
11:32
